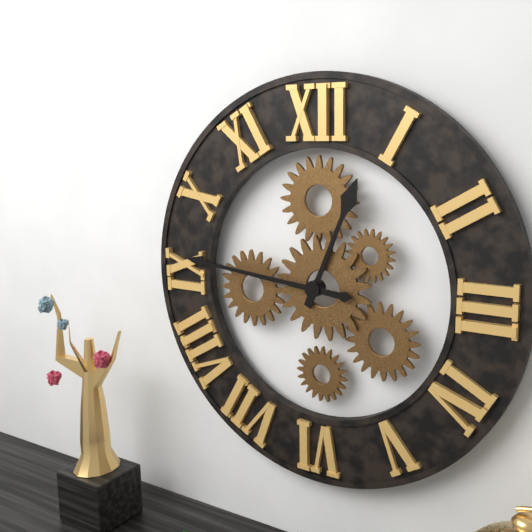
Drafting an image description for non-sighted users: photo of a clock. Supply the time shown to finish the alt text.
12:46
